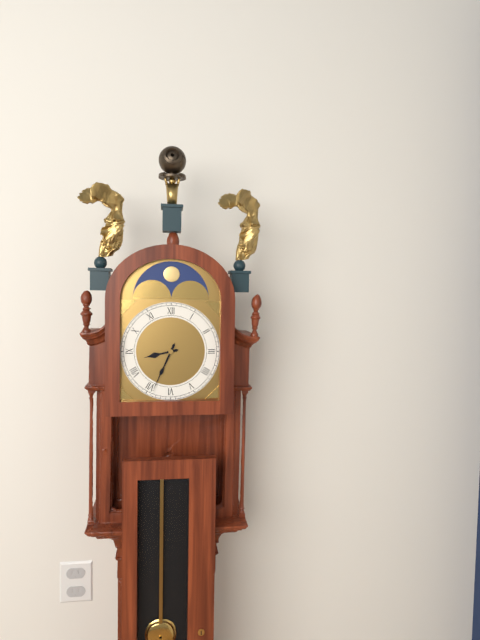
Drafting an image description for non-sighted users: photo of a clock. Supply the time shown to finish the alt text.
8:34
